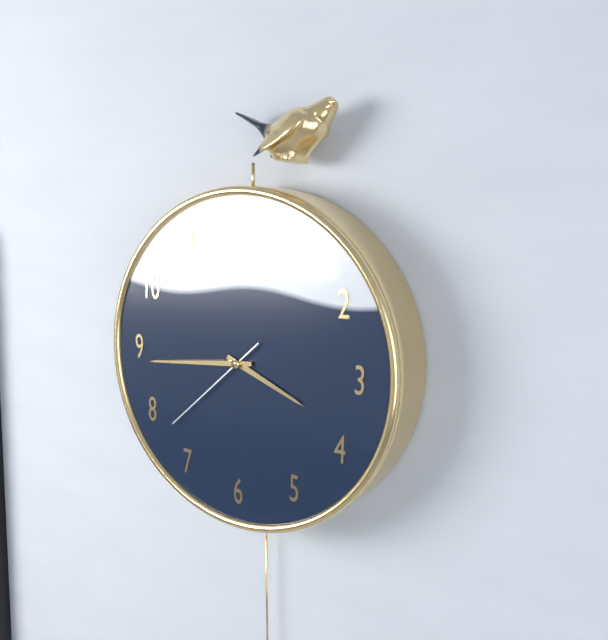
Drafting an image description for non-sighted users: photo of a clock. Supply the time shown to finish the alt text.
3:44:38
